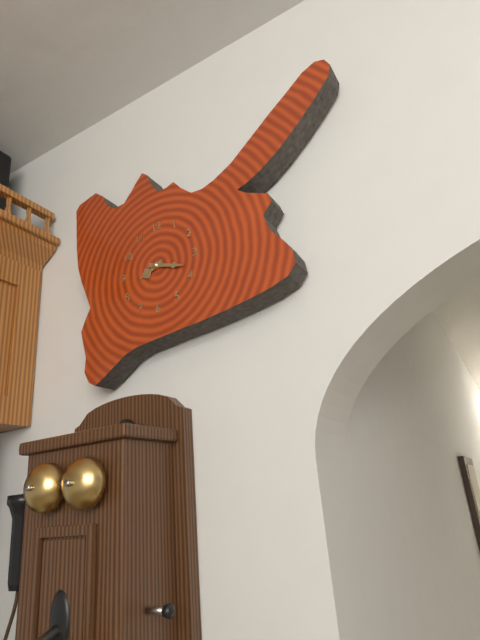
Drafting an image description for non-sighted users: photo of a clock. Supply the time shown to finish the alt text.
8:18
